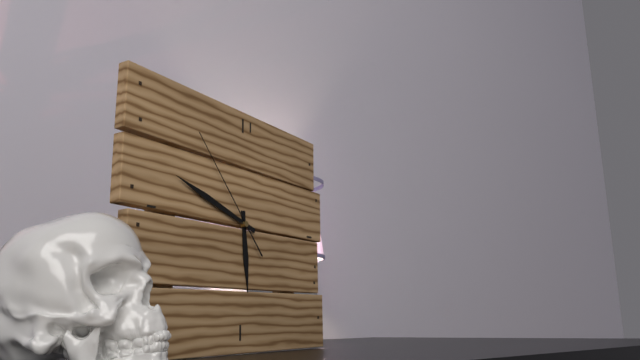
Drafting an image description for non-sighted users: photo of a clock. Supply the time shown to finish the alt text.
5:48:53
